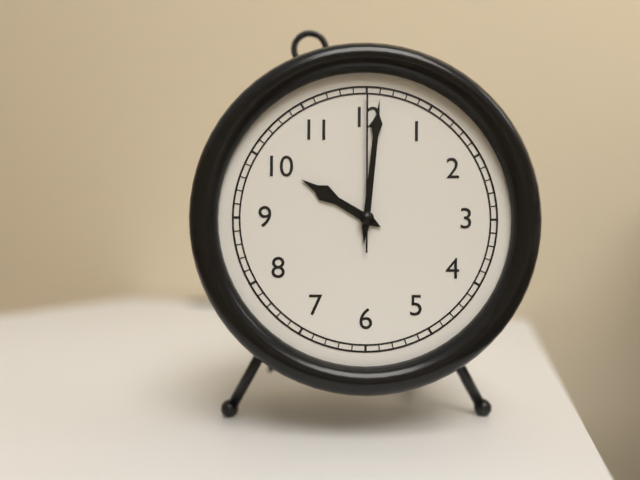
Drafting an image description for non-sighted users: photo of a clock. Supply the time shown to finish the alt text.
10:01:00
